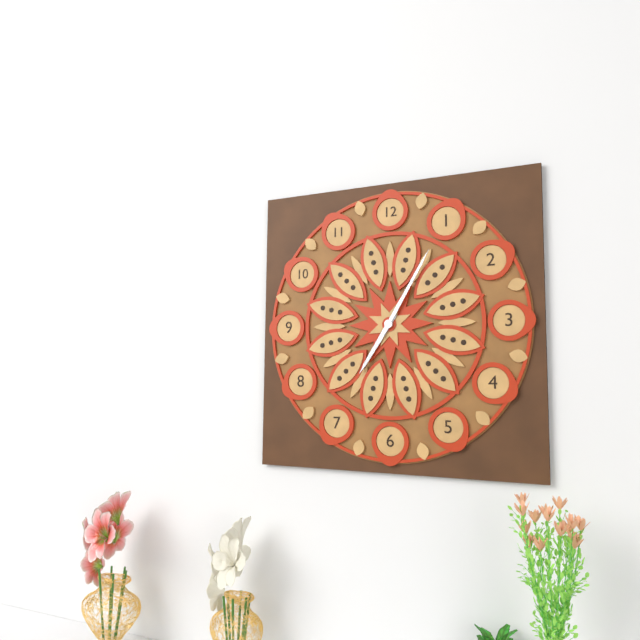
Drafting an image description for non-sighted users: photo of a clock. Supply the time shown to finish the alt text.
7:05
